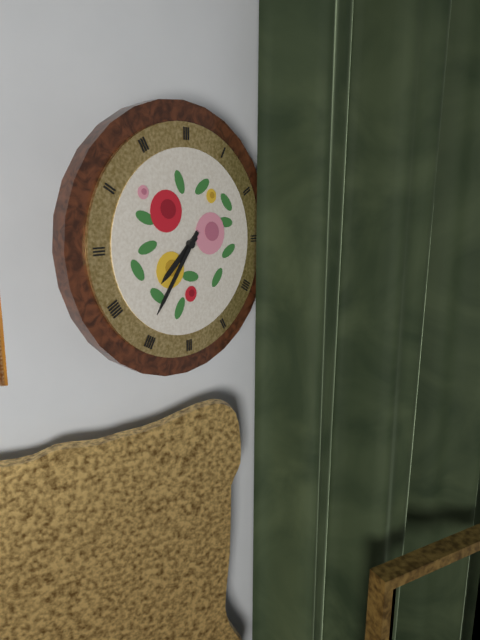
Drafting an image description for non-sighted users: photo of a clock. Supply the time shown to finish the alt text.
7:36
